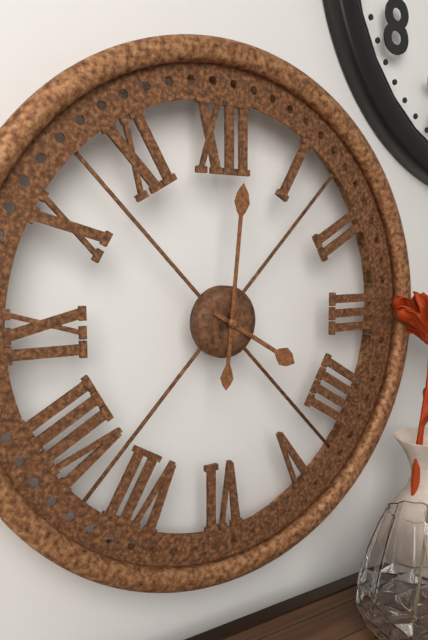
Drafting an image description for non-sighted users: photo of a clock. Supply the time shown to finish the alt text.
4:01
